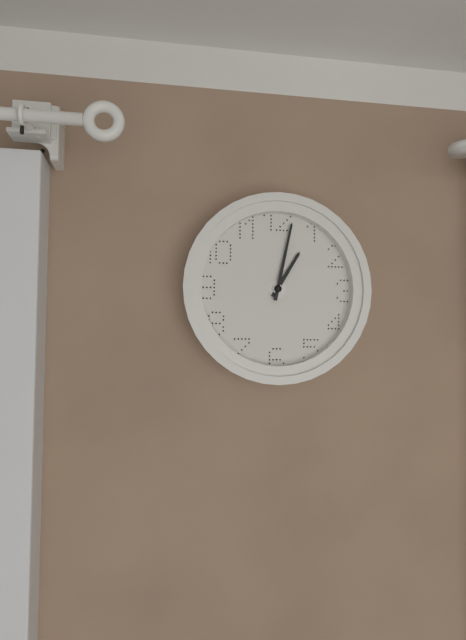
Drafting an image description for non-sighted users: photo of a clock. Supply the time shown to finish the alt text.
1:02
